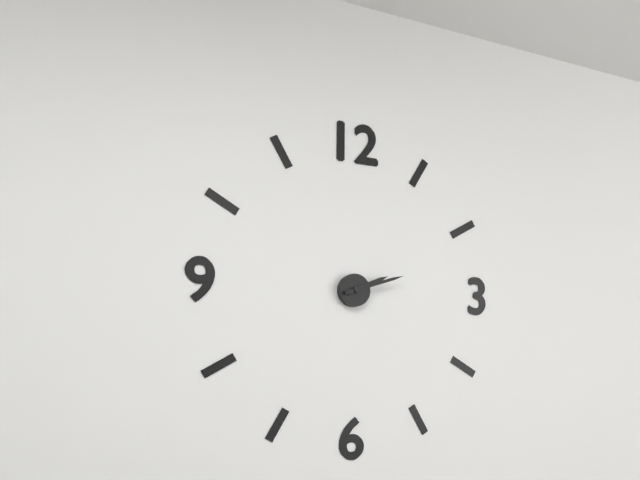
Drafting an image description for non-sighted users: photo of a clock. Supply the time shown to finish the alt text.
2:12
